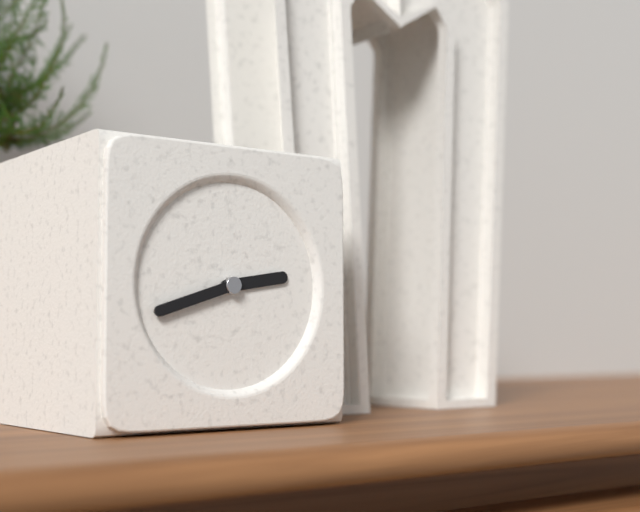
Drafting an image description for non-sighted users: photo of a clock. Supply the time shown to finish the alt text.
2:42
